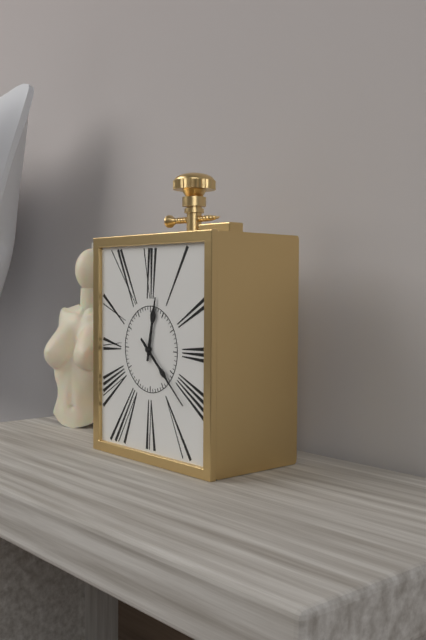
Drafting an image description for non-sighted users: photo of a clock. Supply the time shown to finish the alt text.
12:22
